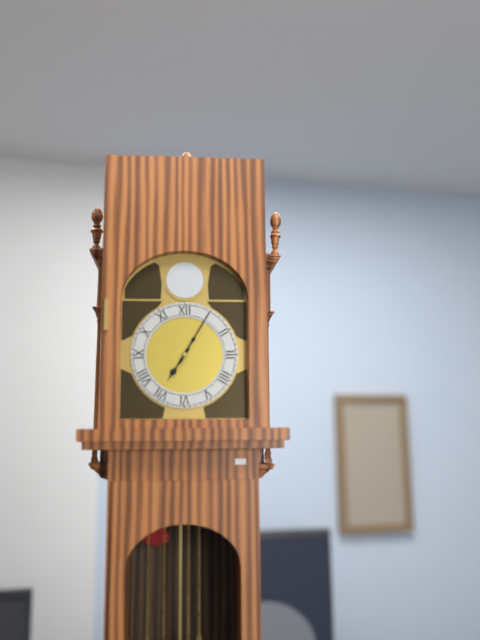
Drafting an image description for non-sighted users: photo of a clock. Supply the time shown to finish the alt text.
7:05
